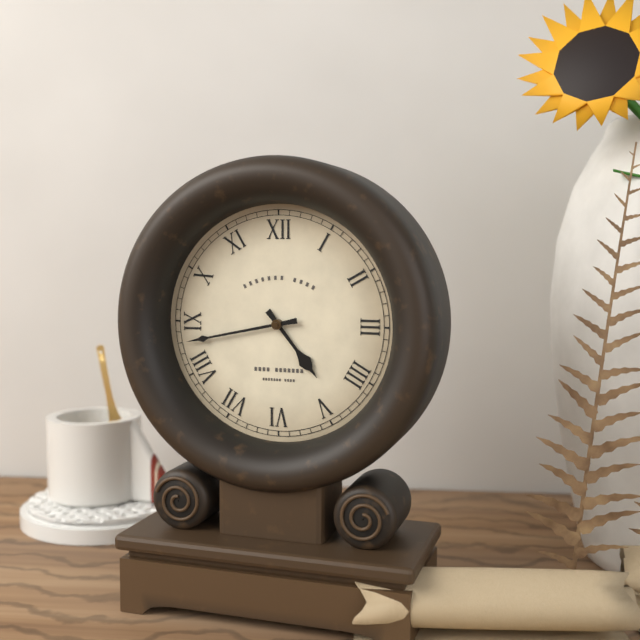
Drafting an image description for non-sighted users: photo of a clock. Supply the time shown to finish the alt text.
4:43
